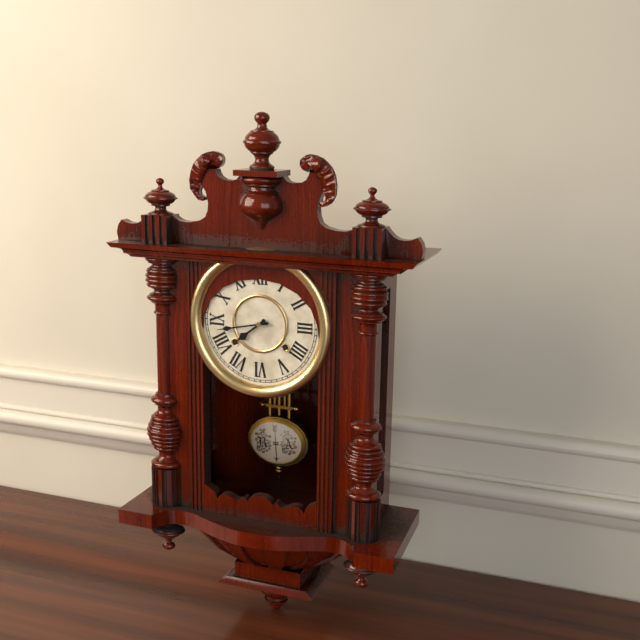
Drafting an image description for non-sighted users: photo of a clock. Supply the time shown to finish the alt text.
7:43
